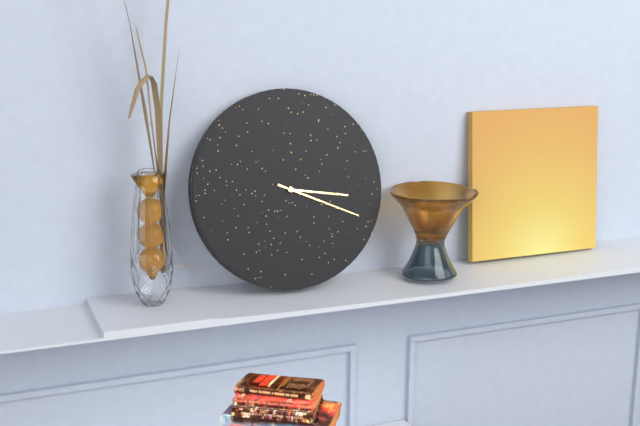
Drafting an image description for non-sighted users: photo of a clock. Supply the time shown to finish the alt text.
3:19
